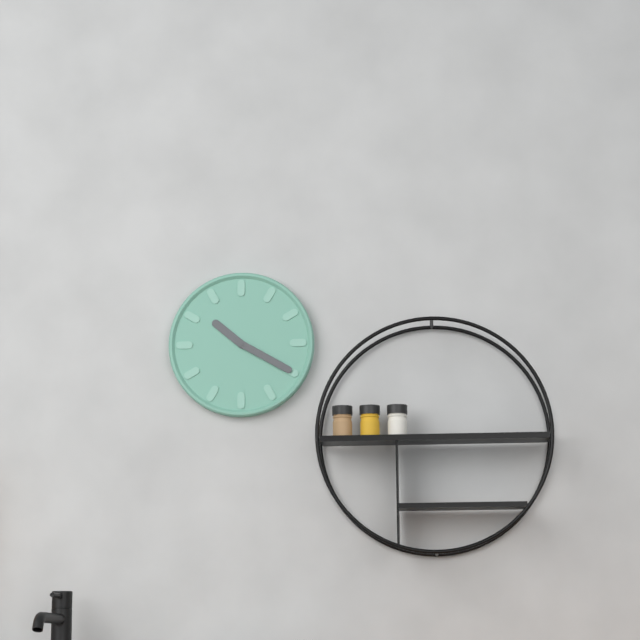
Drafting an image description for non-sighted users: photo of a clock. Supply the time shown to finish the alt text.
10:20
